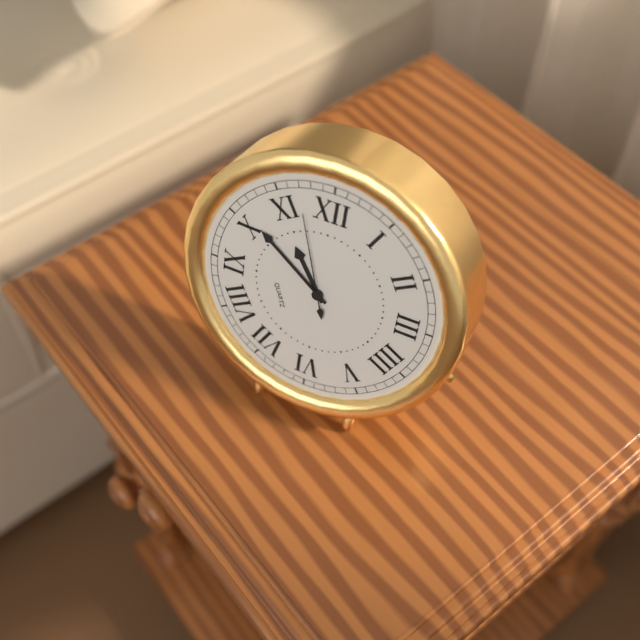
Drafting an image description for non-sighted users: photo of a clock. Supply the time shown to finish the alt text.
10:51:57
